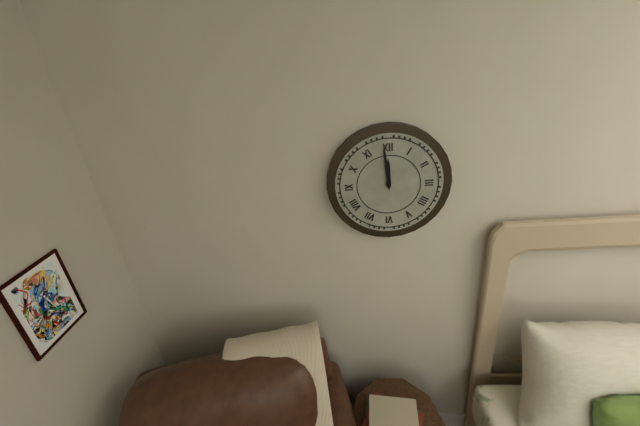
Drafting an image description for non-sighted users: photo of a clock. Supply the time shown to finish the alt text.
11:59
